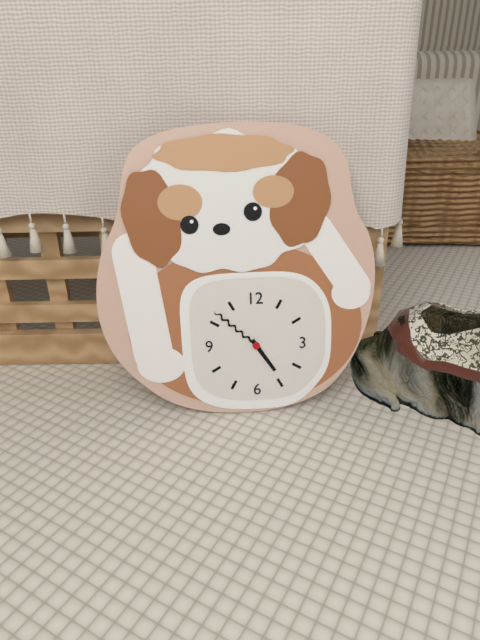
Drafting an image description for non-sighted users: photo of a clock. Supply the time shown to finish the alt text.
4:52
